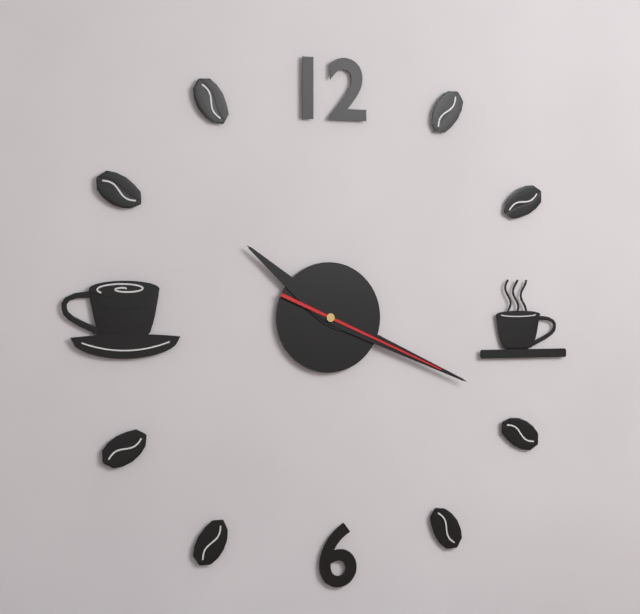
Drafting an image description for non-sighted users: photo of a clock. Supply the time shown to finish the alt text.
10:19:19
